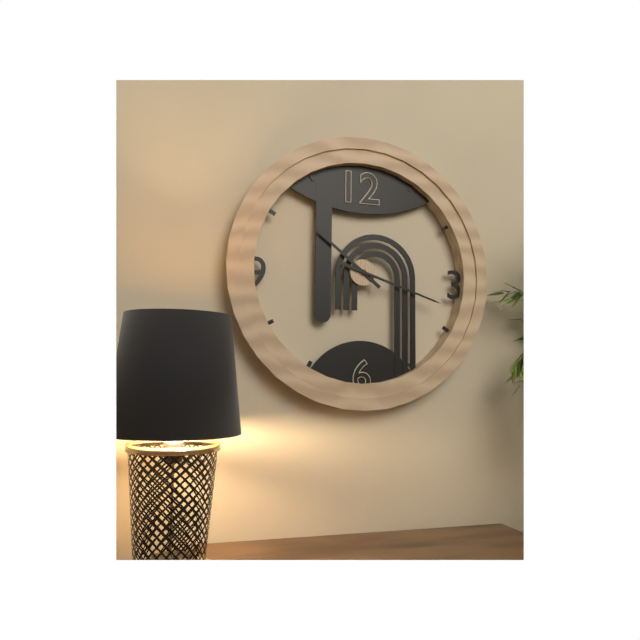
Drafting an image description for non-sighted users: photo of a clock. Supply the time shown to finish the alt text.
10:18
